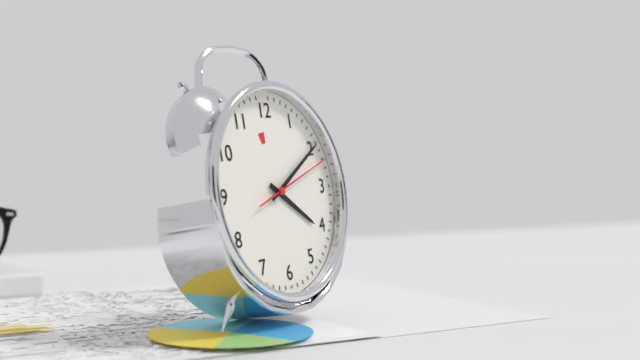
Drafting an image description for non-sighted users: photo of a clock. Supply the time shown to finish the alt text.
4:10:12
